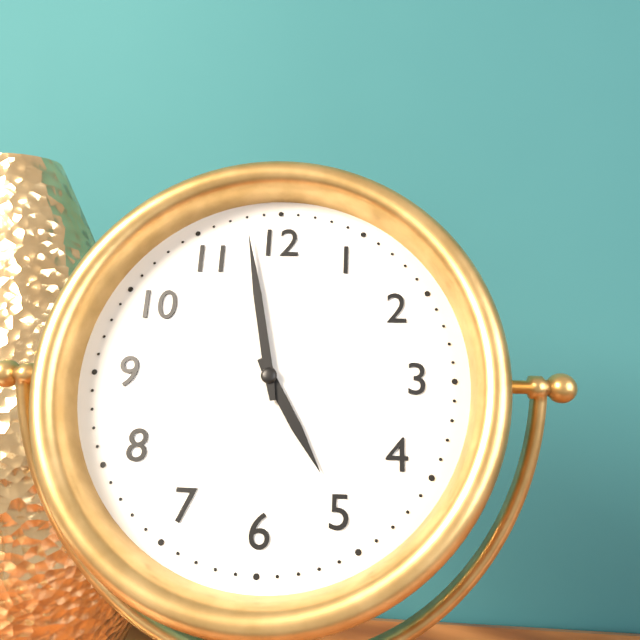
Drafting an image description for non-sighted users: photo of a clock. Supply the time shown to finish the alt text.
4:58
